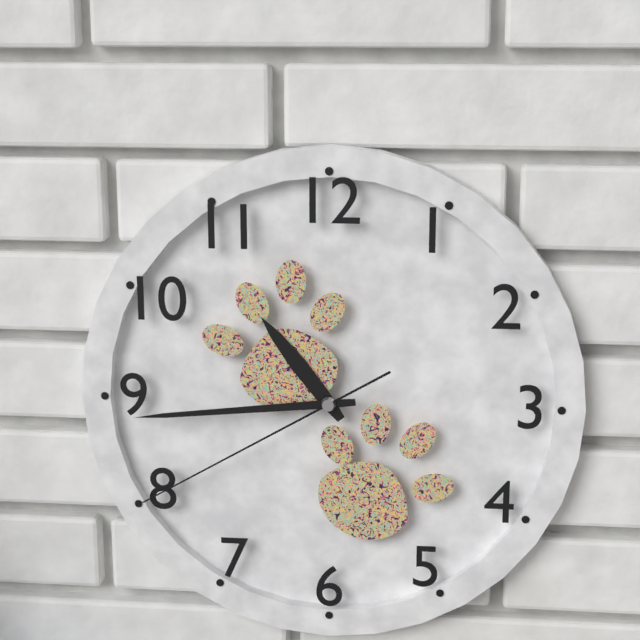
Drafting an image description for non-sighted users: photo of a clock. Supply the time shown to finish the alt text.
10:44:40
